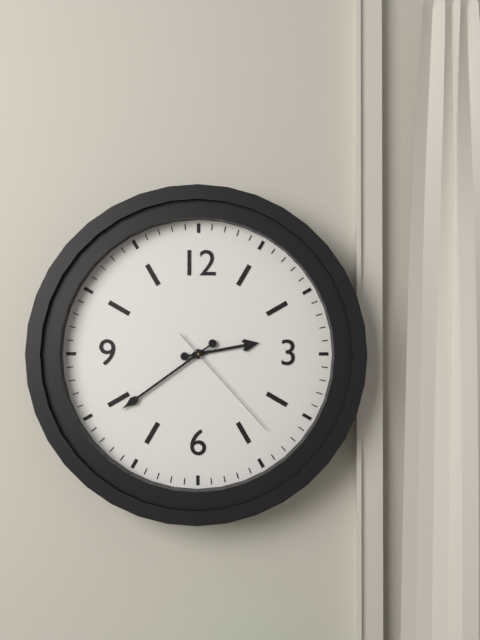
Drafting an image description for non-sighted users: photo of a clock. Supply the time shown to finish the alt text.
2:39:23
